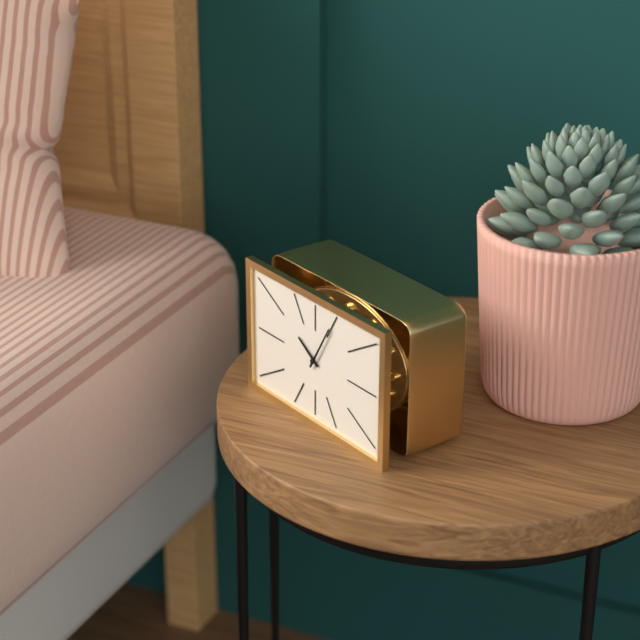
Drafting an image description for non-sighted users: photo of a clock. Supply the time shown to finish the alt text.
10:05
